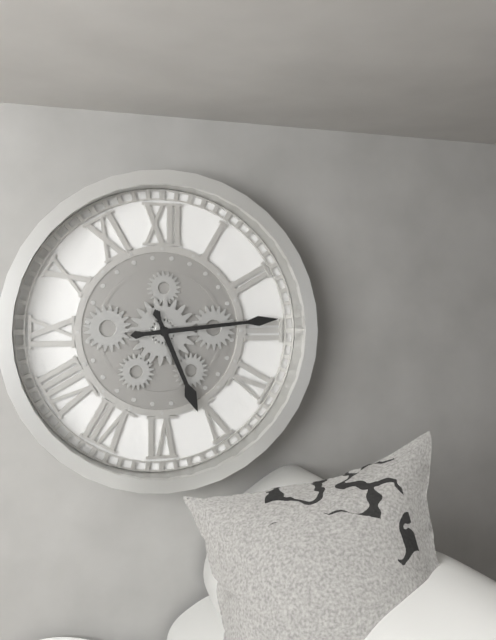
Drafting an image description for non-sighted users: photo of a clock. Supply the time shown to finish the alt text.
5:14
